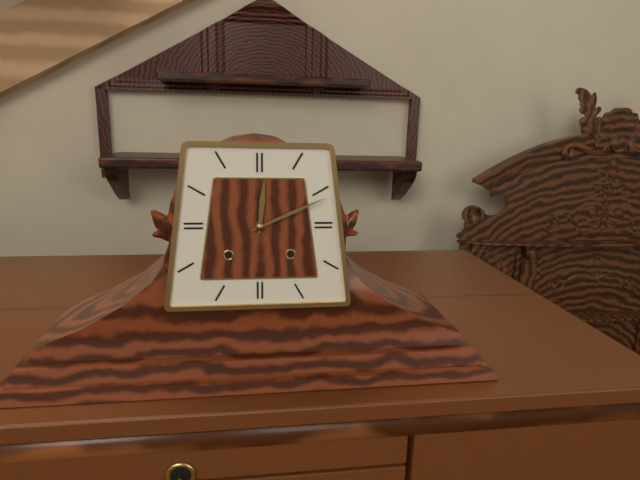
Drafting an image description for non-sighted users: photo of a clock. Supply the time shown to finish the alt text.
12:11
